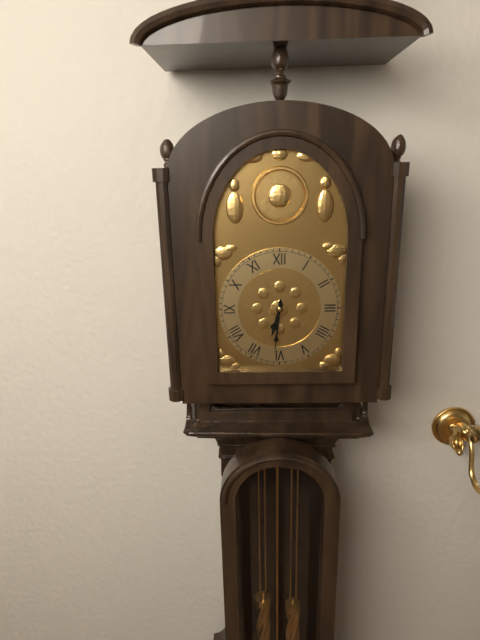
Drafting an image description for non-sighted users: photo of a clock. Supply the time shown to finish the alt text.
6:31
